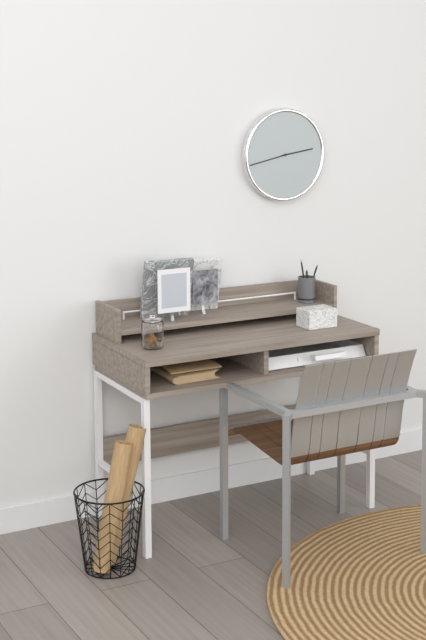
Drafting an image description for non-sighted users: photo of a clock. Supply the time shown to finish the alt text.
2:43
